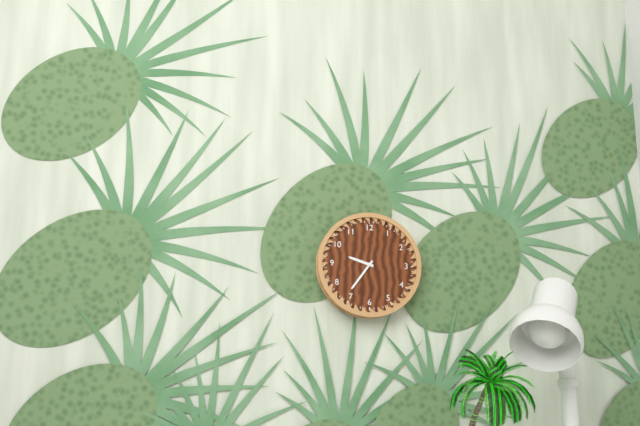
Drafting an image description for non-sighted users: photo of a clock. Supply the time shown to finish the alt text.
9:36
